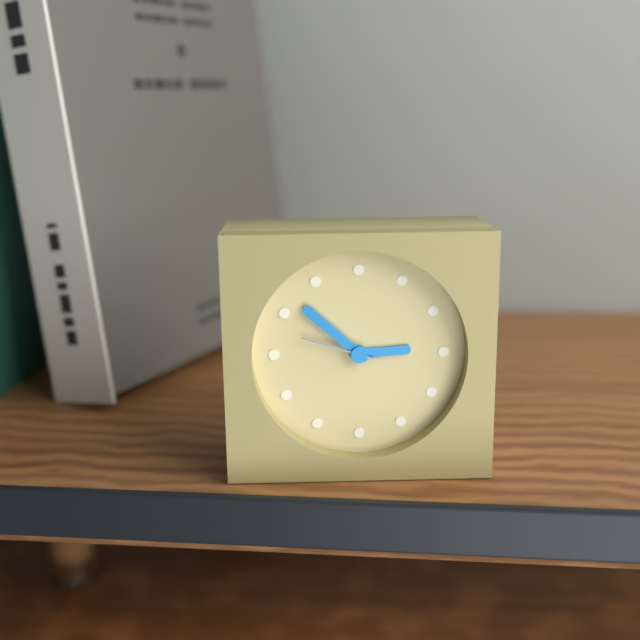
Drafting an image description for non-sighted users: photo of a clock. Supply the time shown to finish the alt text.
2:52:48
